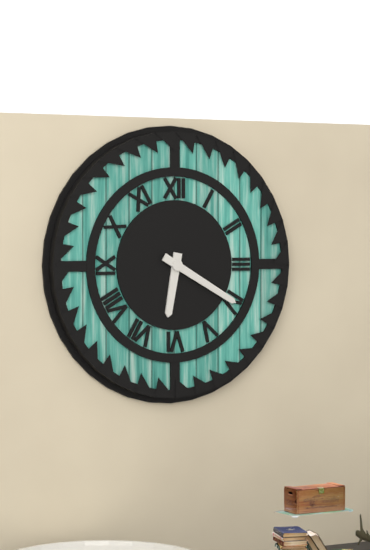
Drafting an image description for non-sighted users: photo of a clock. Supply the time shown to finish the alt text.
6:20
